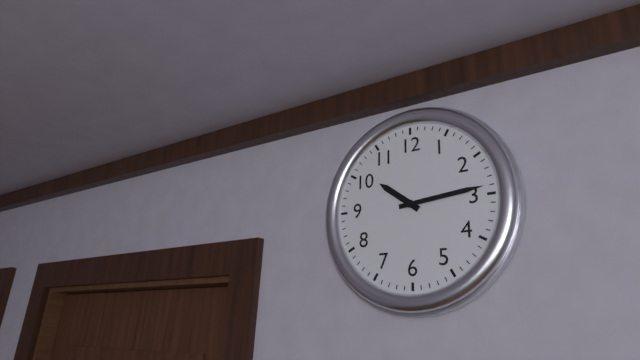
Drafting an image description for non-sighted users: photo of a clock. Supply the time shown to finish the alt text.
10:14
